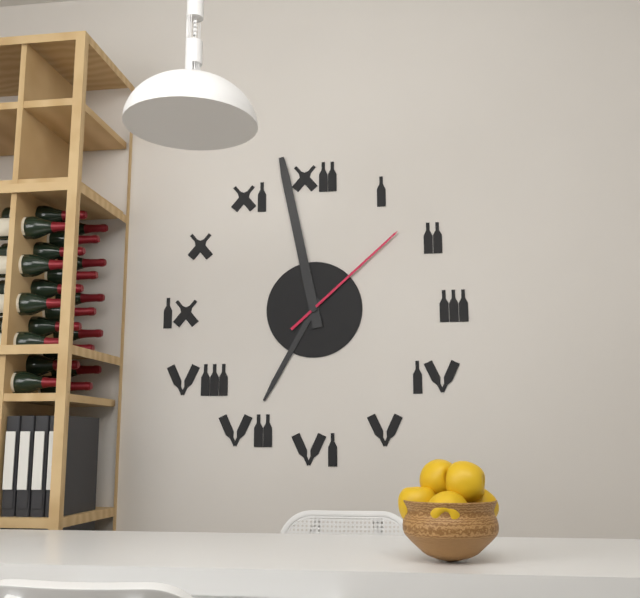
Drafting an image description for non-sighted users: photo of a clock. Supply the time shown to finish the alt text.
6:58:08
